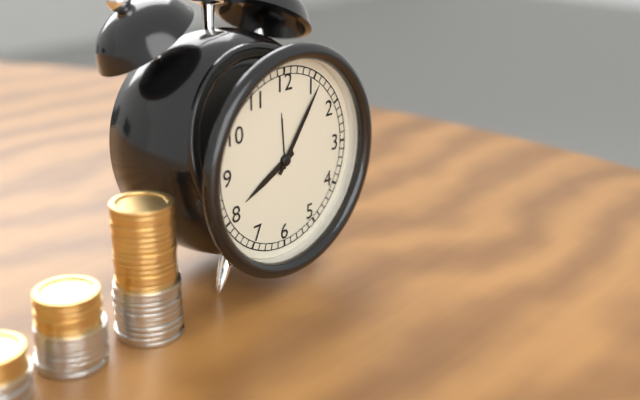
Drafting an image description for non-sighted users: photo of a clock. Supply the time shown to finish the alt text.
8:06
